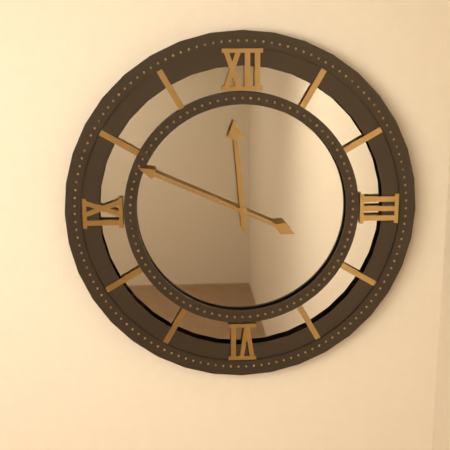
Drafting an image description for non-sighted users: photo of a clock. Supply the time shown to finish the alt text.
11:49
